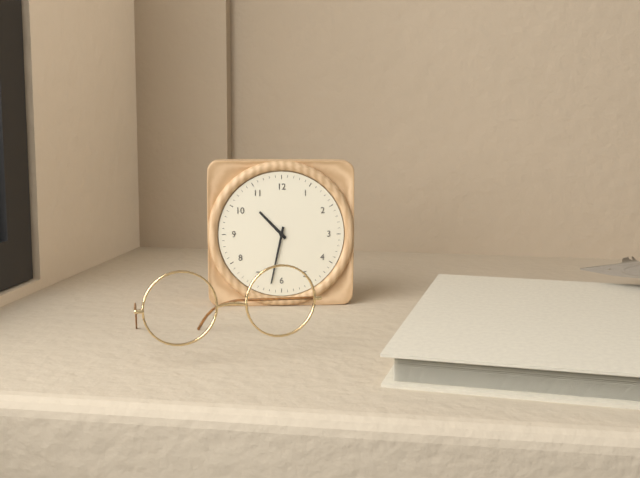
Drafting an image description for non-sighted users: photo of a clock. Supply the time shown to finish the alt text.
10:32
